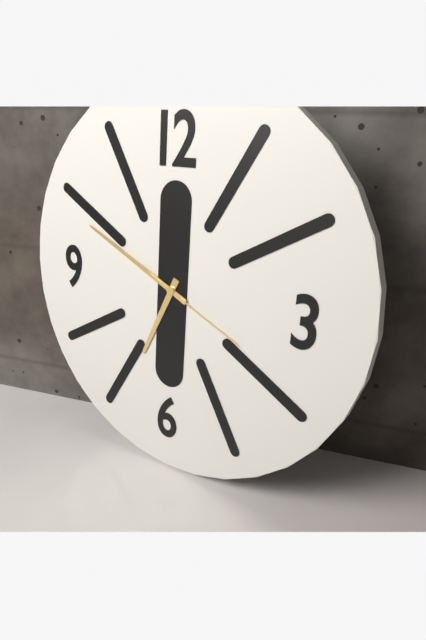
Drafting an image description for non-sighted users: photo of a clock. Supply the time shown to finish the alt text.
6:49:19
